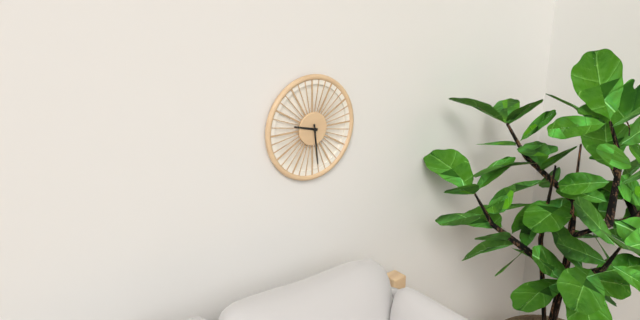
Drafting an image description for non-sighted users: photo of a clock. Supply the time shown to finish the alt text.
9:29
